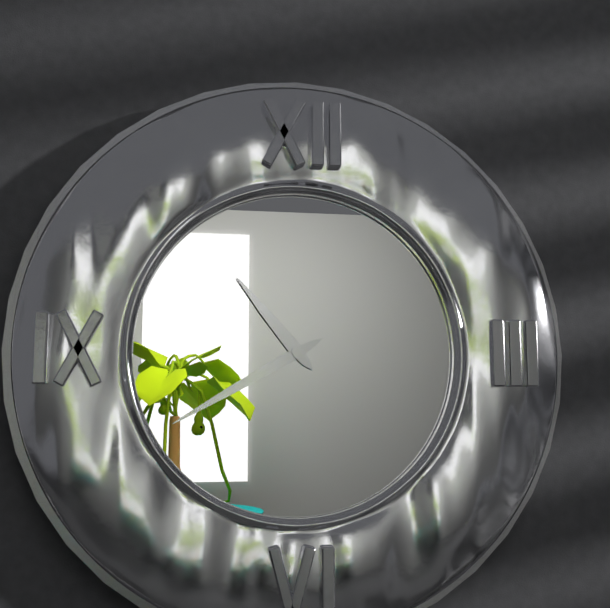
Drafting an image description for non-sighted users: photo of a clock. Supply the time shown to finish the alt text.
10:40
